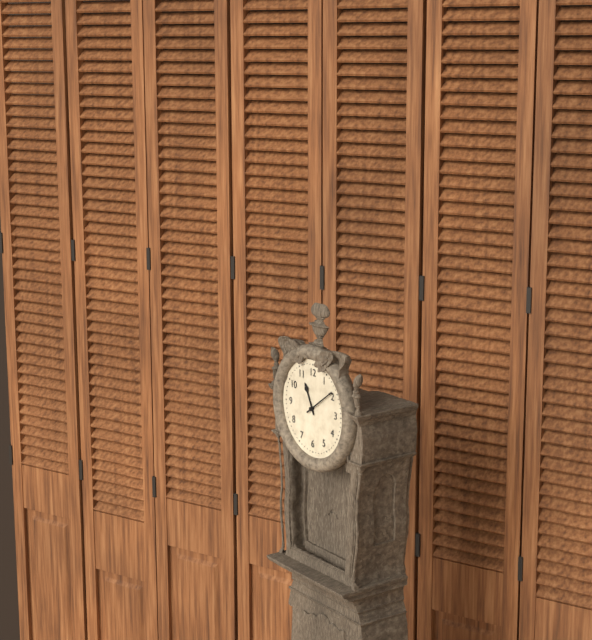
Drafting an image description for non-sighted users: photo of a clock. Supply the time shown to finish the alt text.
11:09
